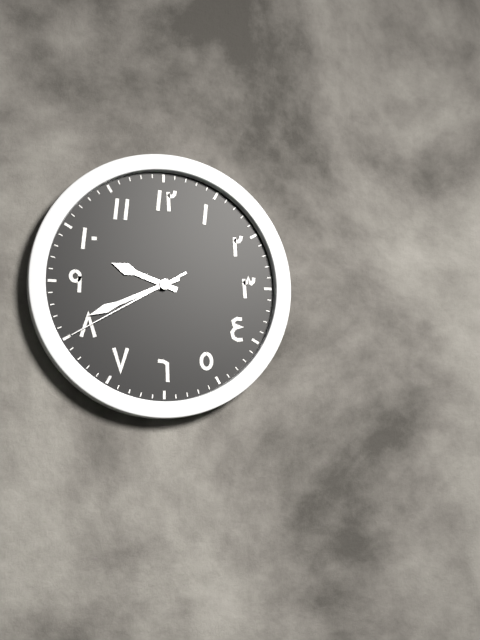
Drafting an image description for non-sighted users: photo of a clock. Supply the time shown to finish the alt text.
9:41:40
